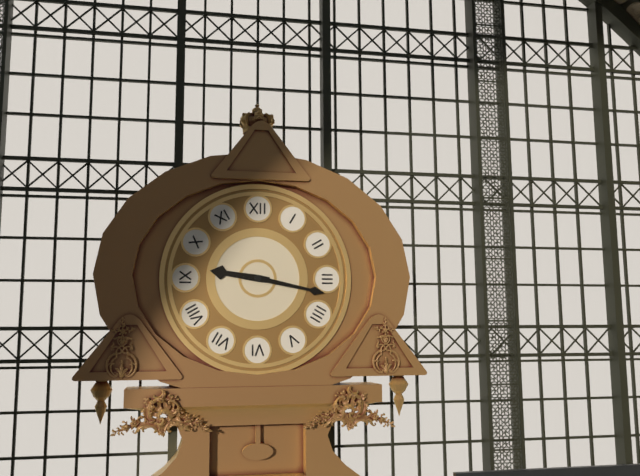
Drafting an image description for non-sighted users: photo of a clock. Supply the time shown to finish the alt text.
9:17
